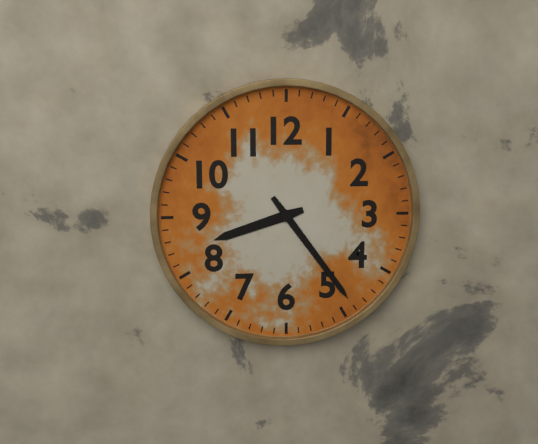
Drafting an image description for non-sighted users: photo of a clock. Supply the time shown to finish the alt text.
8:24
